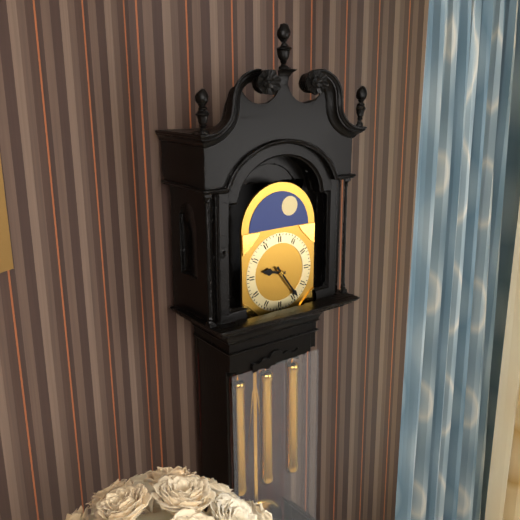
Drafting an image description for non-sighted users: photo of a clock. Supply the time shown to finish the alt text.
9:24
